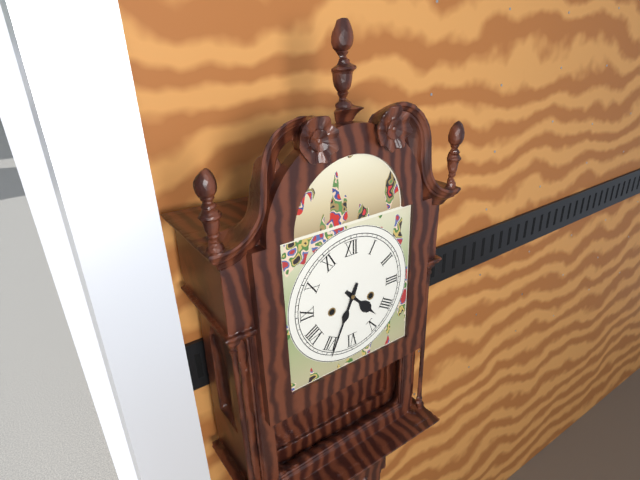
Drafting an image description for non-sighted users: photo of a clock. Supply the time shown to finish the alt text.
4:34
